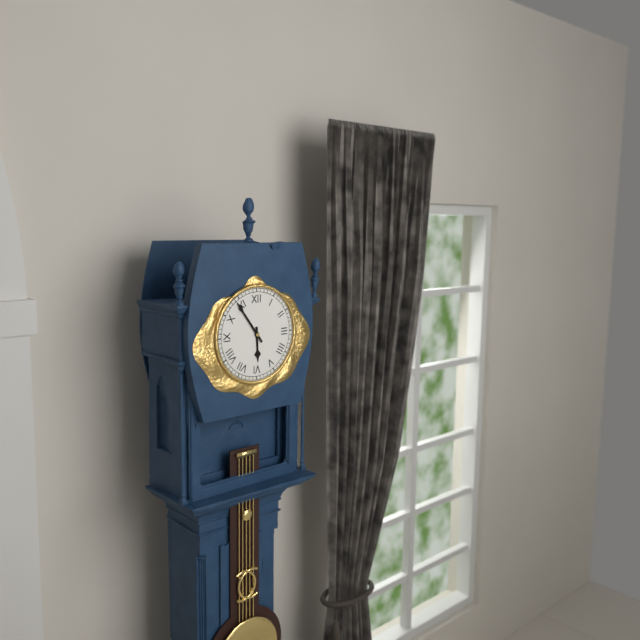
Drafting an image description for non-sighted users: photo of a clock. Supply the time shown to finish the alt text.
5:54
